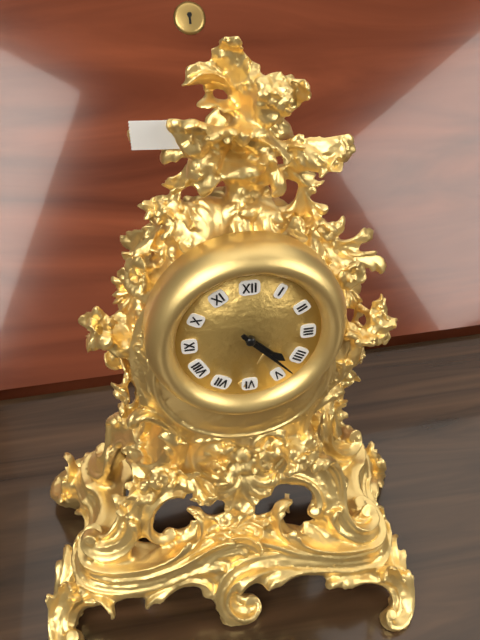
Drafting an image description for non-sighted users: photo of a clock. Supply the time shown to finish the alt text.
4:23
